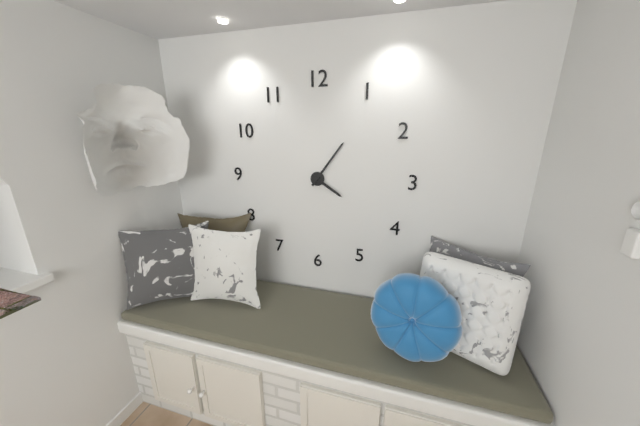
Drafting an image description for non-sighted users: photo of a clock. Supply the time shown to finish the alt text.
4:06
